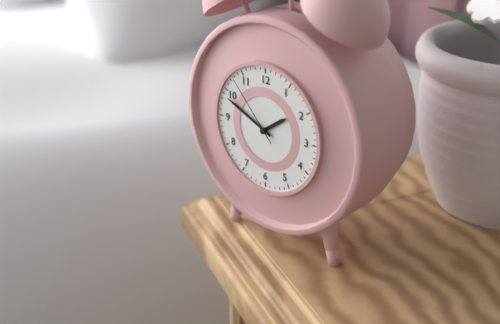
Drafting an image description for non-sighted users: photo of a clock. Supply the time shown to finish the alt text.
1:49:53
